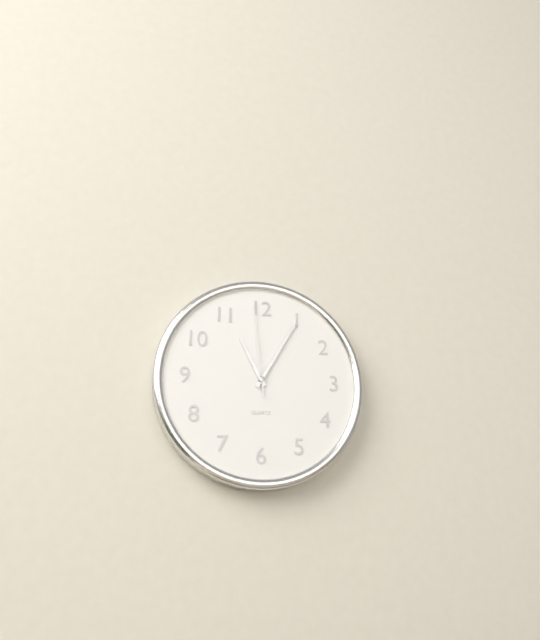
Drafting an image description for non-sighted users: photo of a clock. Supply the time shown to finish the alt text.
11:05:59
